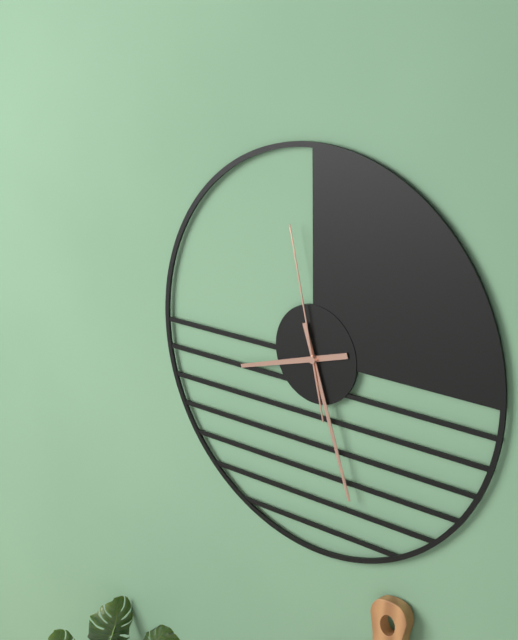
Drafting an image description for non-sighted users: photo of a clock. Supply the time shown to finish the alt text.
8:27:58
